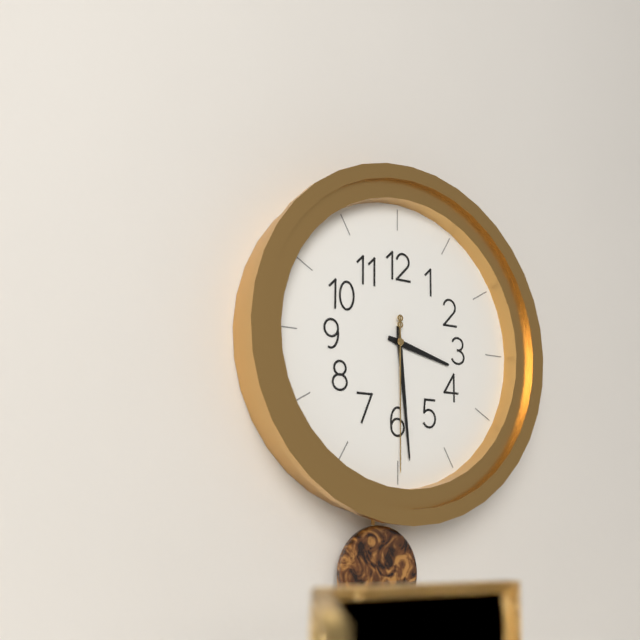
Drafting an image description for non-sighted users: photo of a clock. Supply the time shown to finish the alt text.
3:29:30
